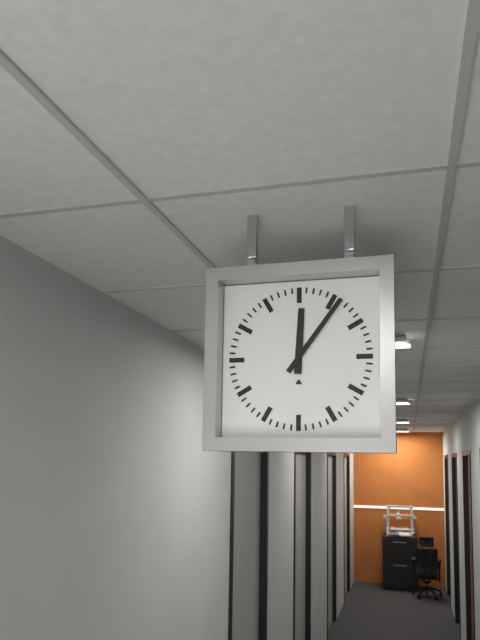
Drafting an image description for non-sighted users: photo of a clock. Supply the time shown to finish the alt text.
12:06
